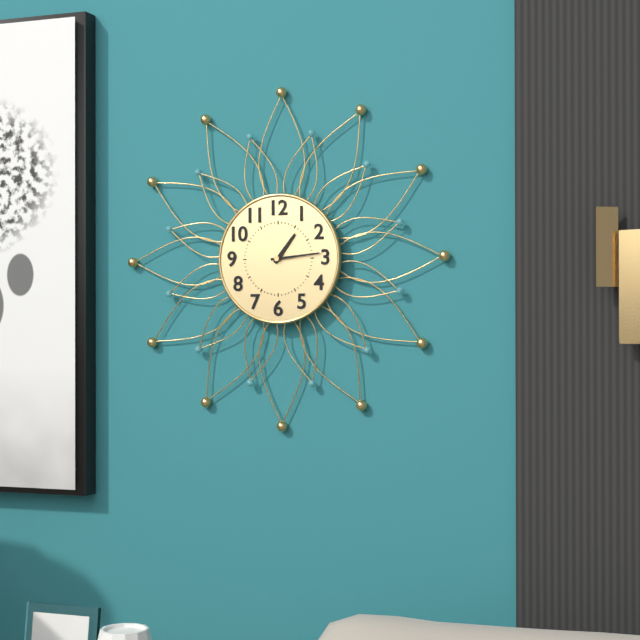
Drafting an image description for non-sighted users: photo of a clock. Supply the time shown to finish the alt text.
1:14
